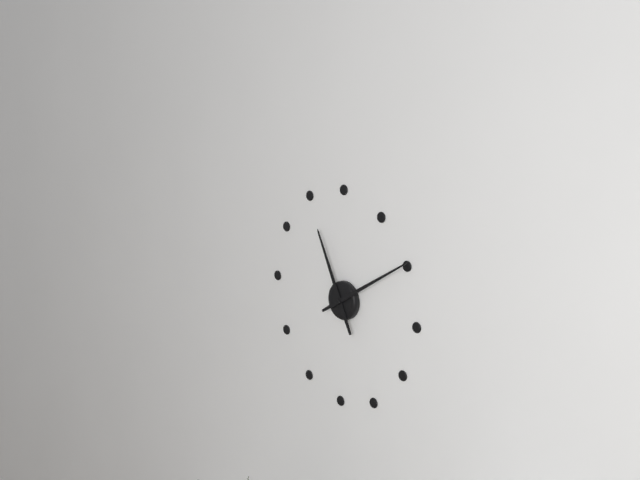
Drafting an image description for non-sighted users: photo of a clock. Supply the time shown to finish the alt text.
11:10
